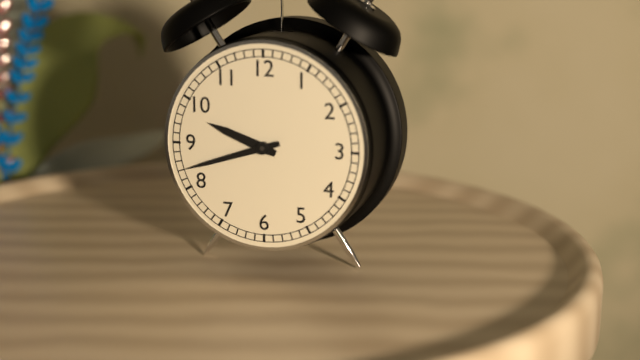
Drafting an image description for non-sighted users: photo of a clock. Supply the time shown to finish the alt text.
9:42
